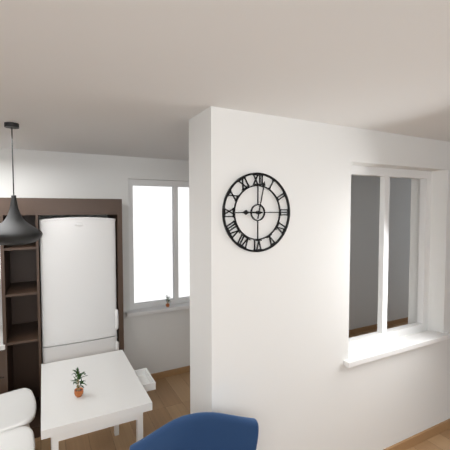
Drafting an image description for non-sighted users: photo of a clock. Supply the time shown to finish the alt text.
9:02
